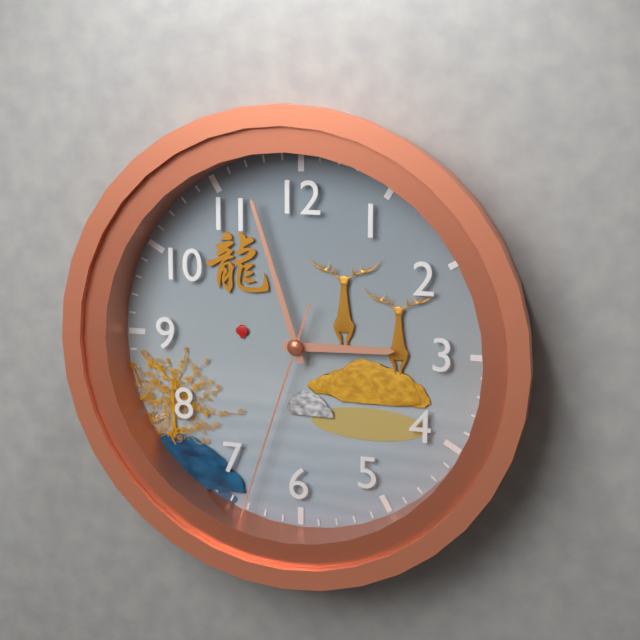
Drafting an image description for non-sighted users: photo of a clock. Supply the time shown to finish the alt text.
2:57:33
